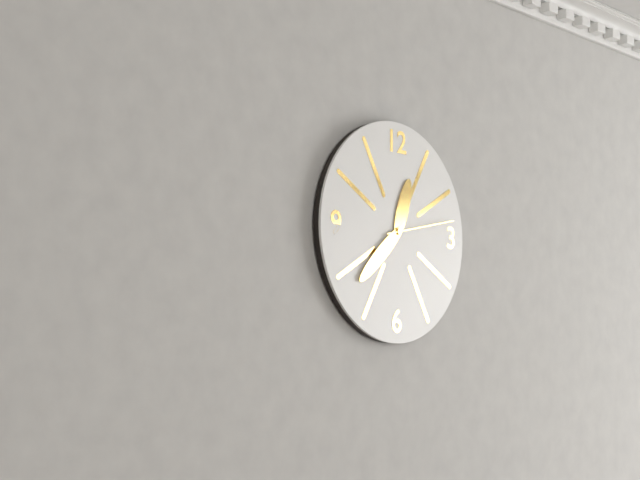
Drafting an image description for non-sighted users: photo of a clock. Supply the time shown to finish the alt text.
12:38:13
